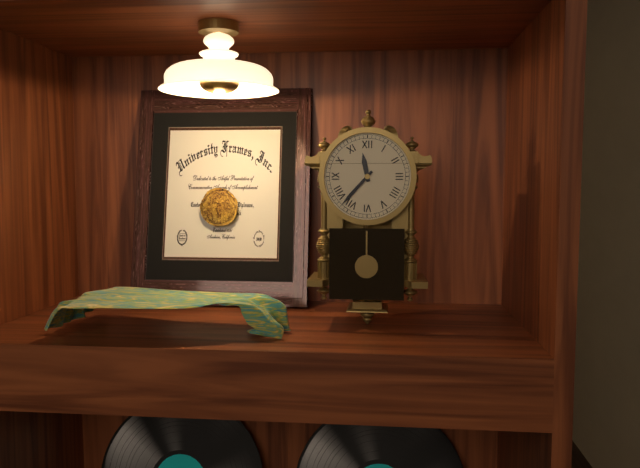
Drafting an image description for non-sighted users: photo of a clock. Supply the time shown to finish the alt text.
11:37
